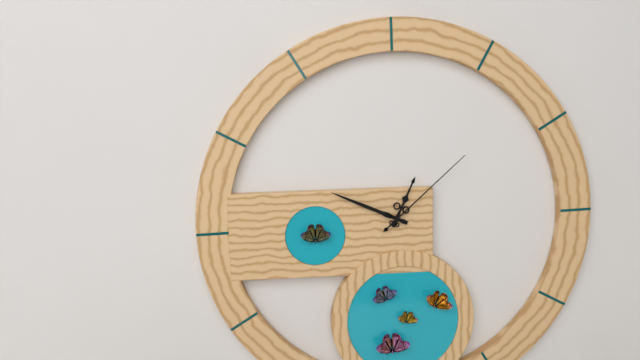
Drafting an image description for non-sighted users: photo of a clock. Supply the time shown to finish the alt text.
12:49:08
